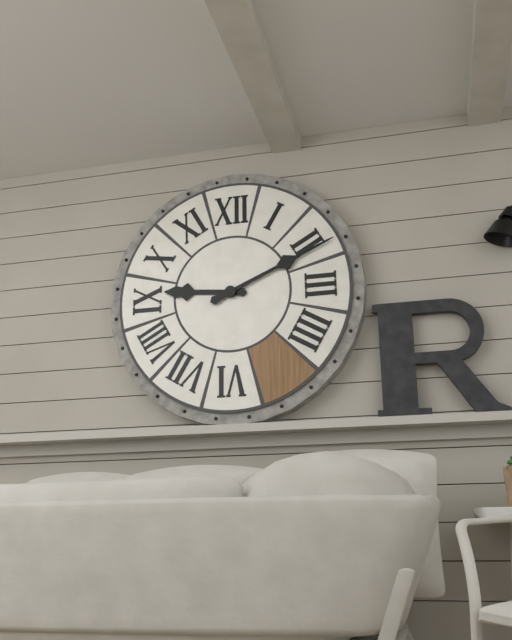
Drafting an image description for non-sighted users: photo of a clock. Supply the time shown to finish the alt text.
9:11
